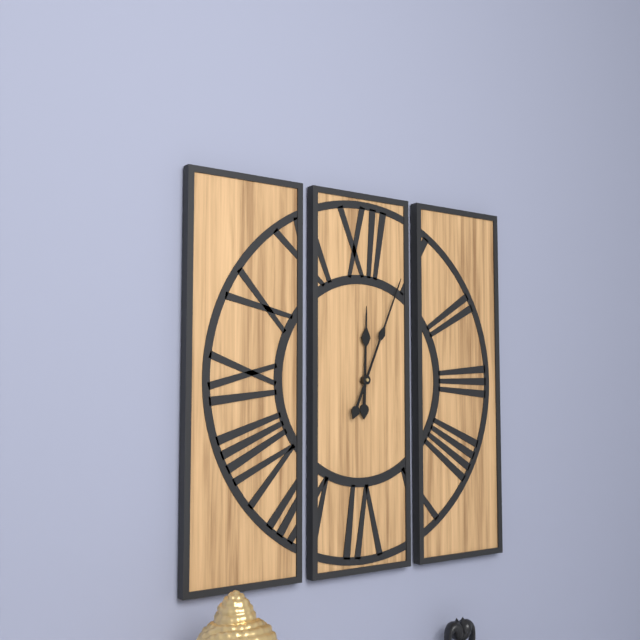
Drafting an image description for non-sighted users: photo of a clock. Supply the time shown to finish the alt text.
12:04
